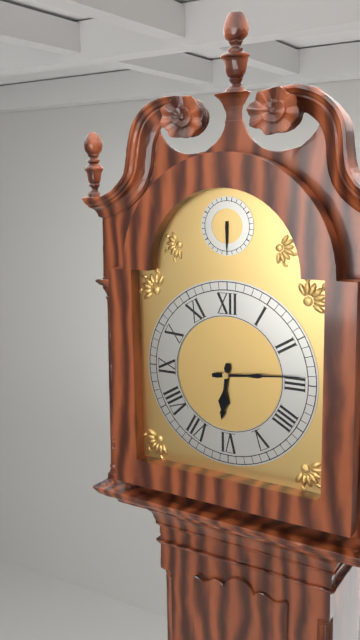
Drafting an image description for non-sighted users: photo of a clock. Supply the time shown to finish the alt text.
6:14
